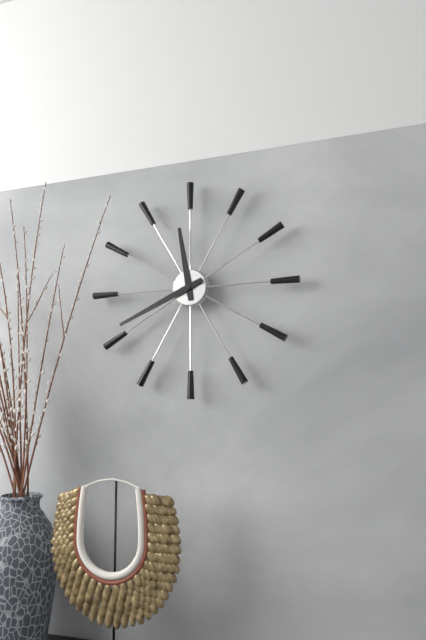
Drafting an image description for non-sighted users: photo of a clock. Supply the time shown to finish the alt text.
11:41
